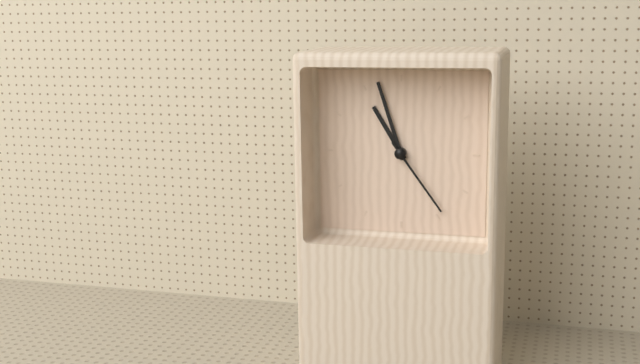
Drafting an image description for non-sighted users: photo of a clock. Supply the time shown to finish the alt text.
10:57:24
